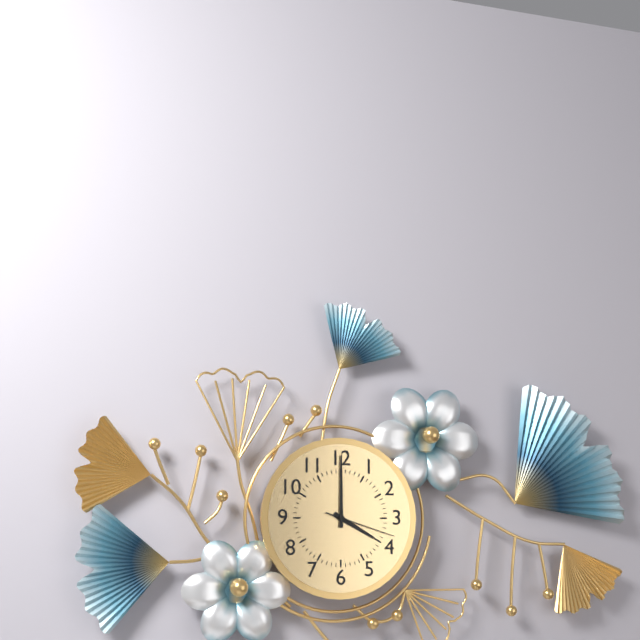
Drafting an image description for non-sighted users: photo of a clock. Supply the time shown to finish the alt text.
4:00:18
